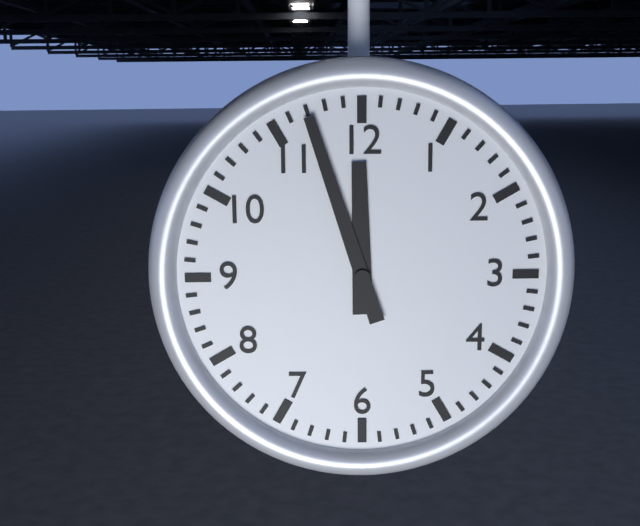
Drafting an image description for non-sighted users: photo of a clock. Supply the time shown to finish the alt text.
11:57
